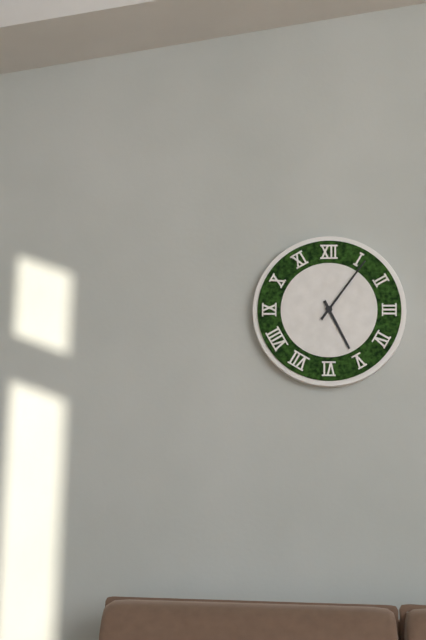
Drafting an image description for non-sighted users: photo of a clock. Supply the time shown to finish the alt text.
5:06
